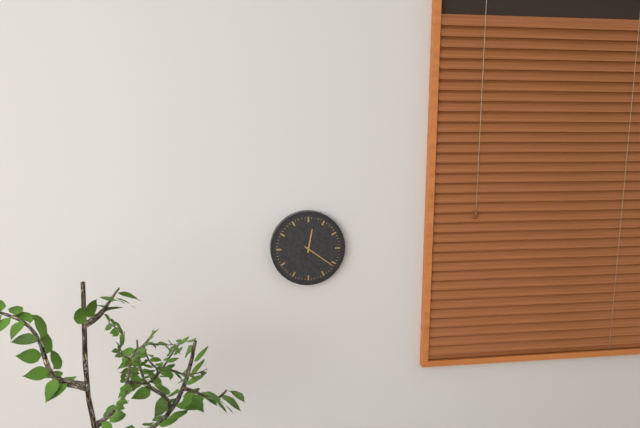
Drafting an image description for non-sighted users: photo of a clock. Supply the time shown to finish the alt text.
12:21
